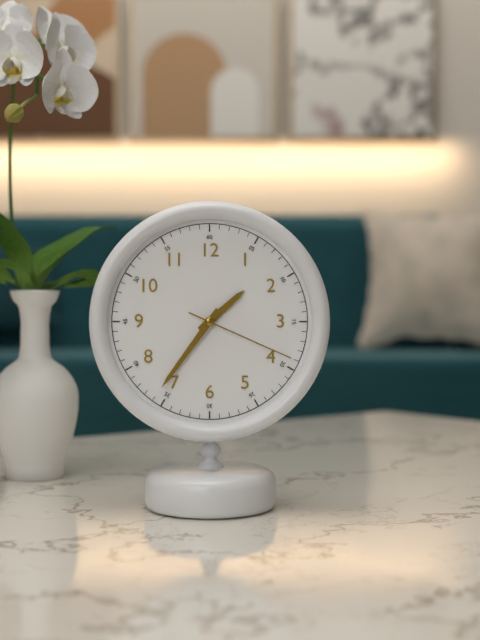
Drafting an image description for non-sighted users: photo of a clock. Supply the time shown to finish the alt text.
1:36:19
